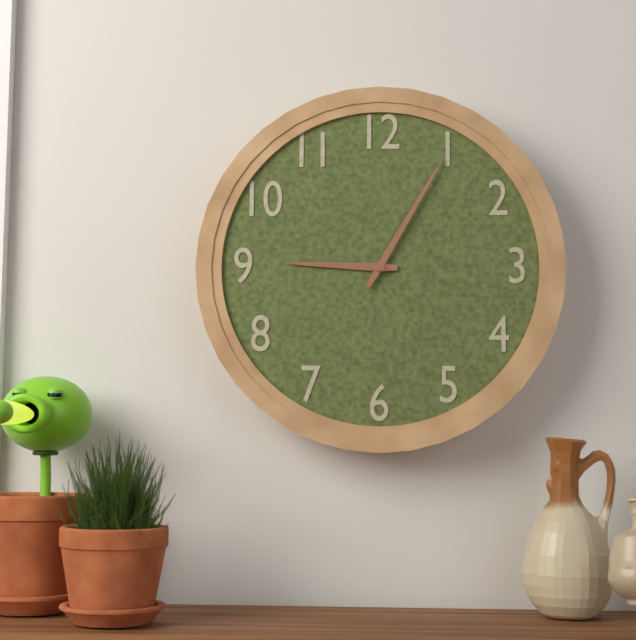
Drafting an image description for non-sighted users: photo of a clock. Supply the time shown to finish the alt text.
9:05
